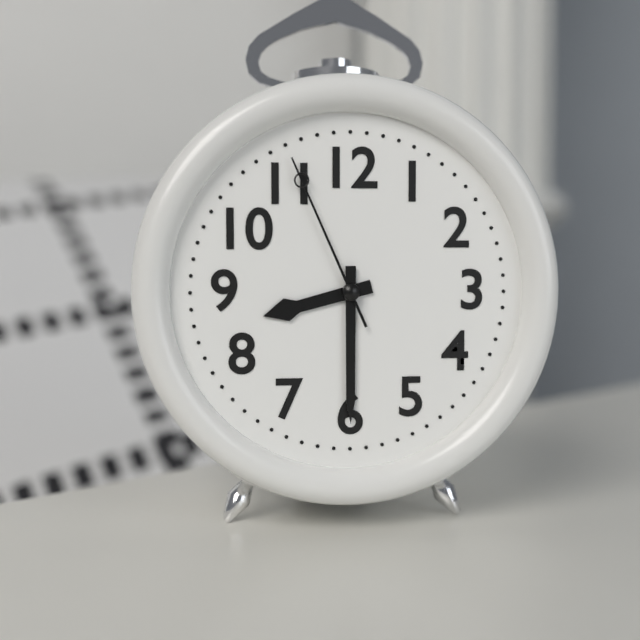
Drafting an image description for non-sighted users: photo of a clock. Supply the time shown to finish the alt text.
8:30:56
